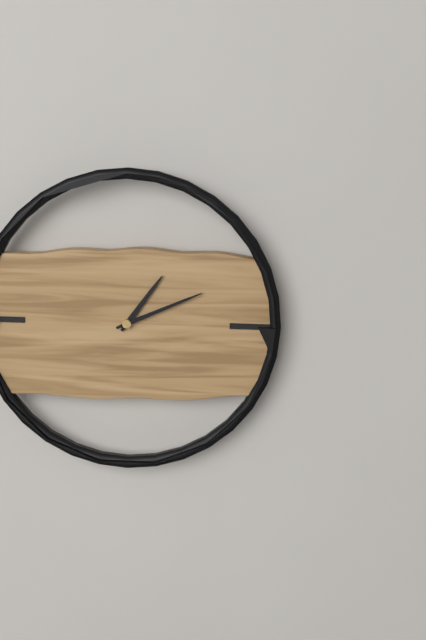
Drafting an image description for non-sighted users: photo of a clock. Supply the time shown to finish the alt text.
1:11
